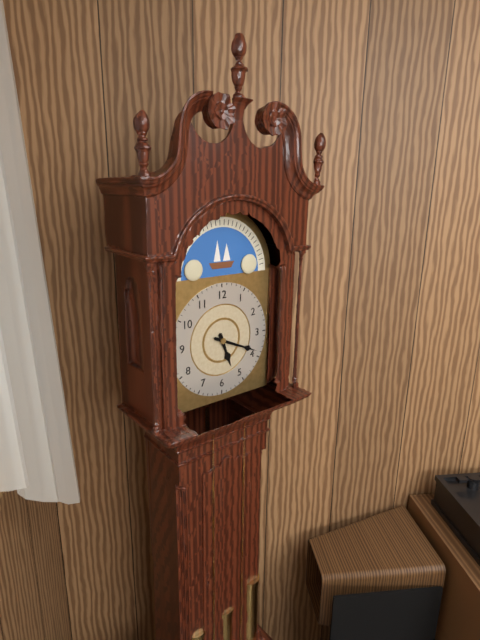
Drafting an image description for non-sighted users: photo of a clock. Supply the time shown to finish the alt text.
5:19
